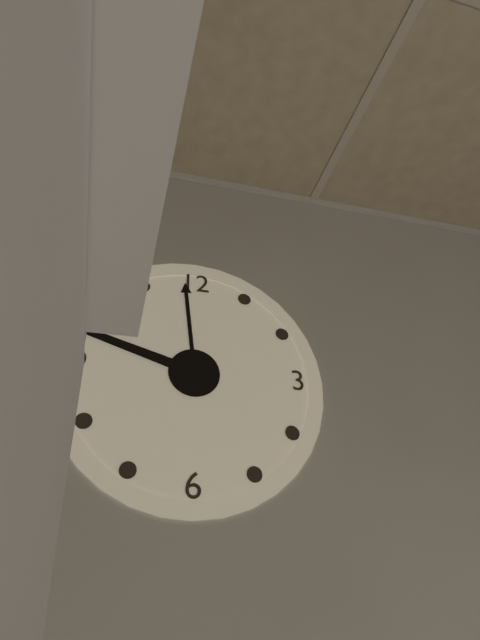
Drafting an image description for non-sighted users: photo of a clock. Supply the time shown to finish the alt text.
11:48
